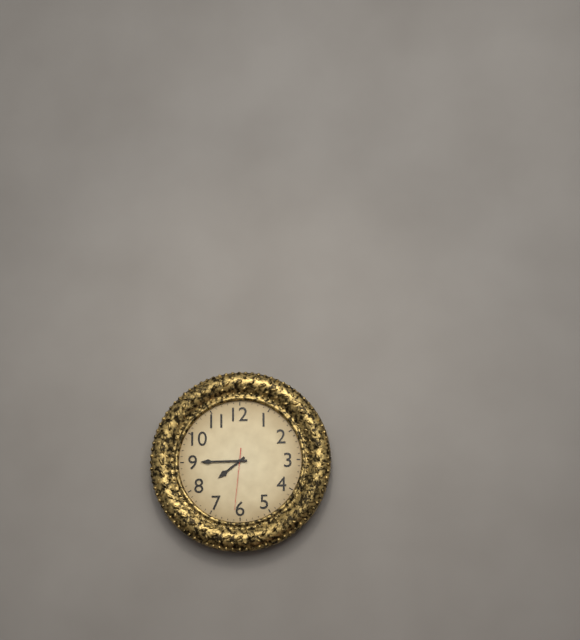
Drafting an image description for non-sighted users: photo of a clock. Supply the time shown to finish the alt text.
7:45:31
